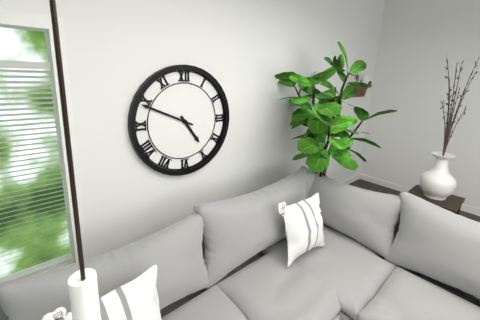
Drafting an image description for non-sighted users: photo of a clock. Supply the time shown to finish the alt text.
4:49
